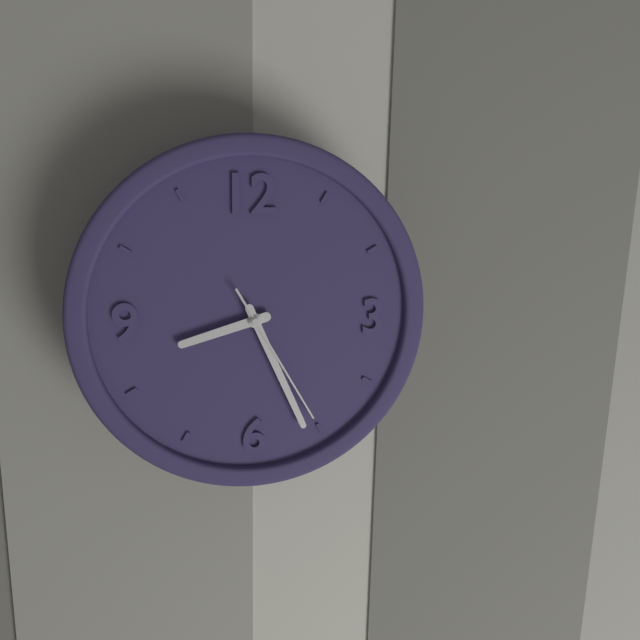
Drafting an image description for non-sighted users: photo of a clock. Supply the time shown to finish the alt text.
8:26:25
